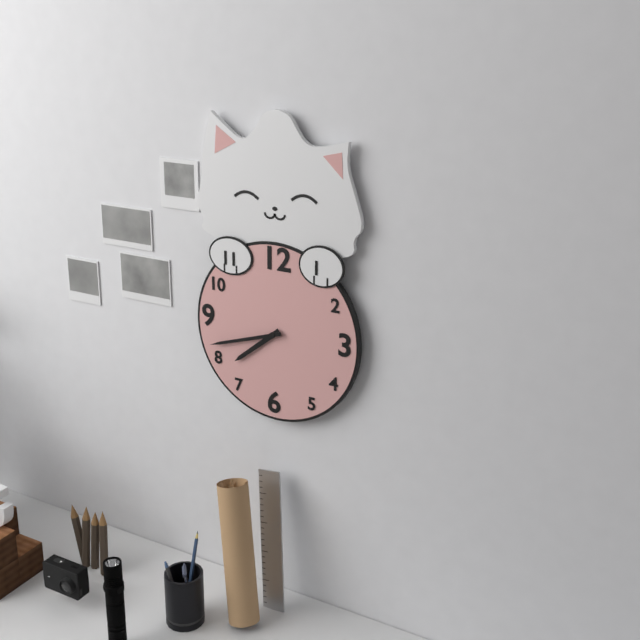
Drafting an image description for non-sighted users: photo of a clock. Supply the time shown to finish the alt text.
7:42
